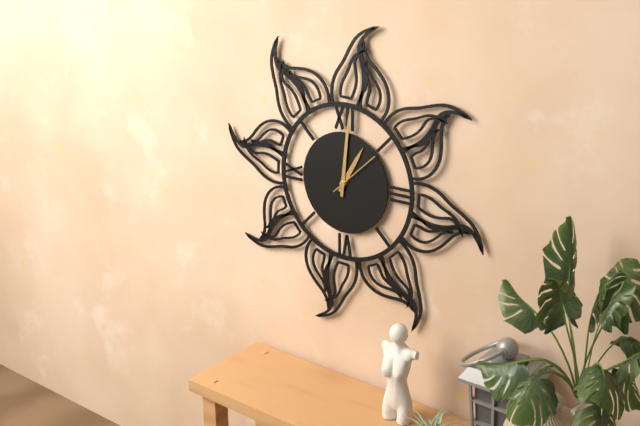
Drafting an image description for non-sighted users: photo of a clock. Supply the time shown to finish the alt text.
1:01
